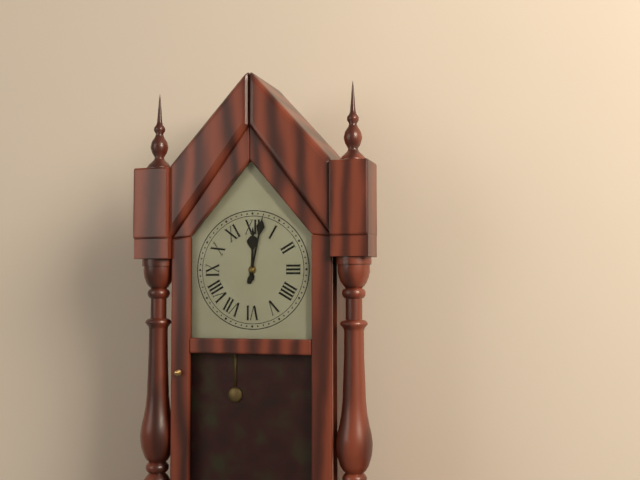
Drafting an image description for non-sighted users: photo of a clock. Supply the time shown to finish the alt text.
12:02
